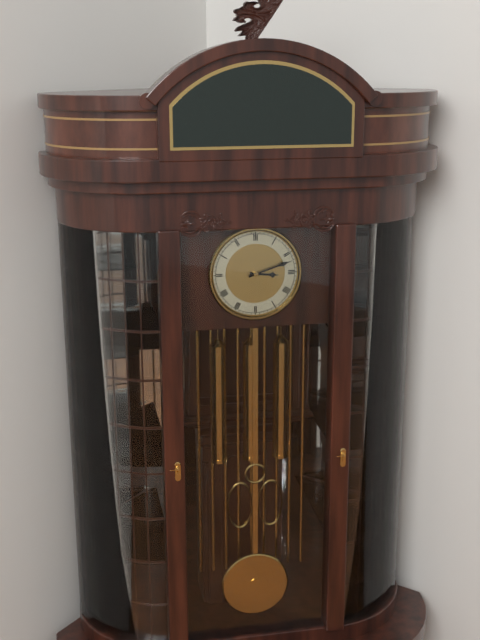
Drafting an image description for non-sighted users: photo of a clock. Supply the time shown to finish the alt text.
3:12
